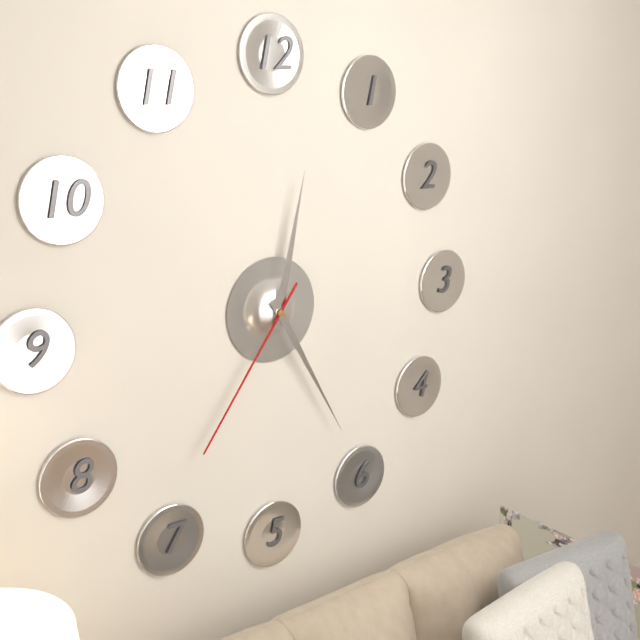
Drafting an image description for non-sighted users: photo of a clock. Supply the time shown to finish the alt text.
12:25:36
